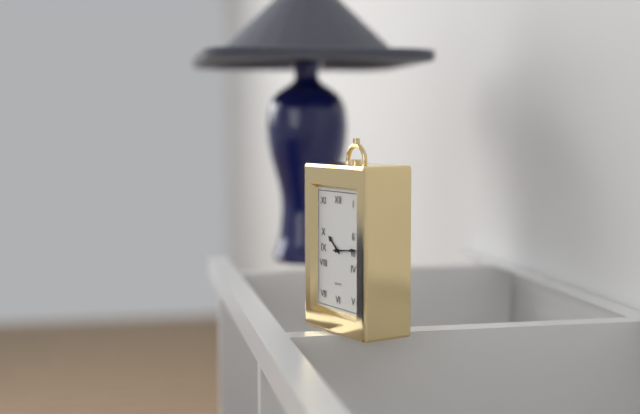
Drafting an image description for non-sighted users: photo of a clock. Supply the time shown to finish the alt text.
10:14
